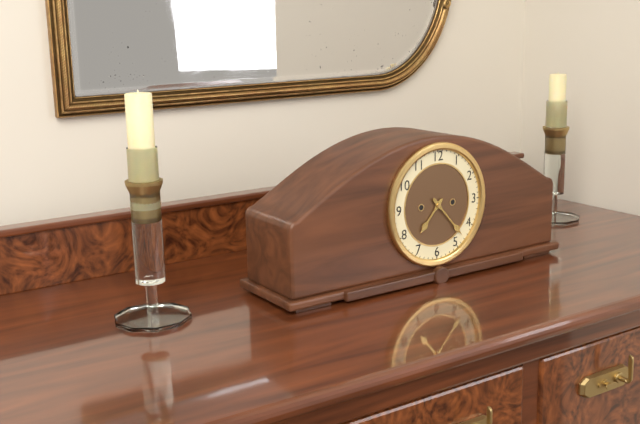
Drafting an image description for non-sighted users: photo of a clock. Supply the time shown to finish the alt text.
7:23
